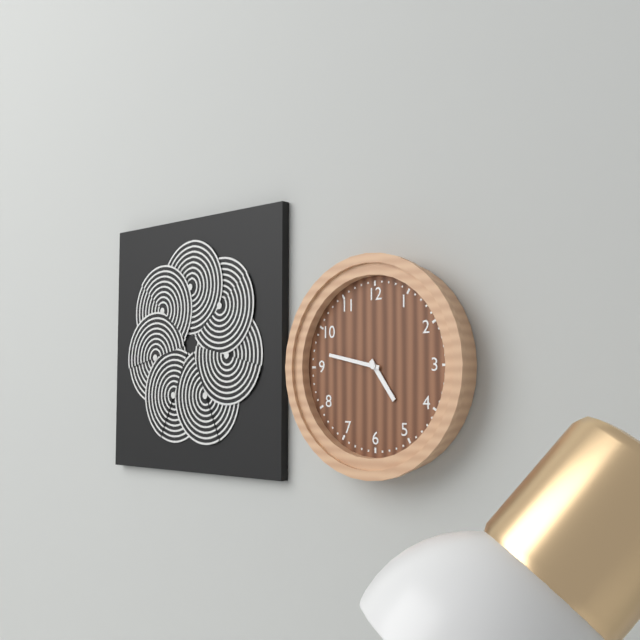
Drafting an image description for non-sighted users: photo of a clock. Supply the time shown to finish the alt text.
4:47
